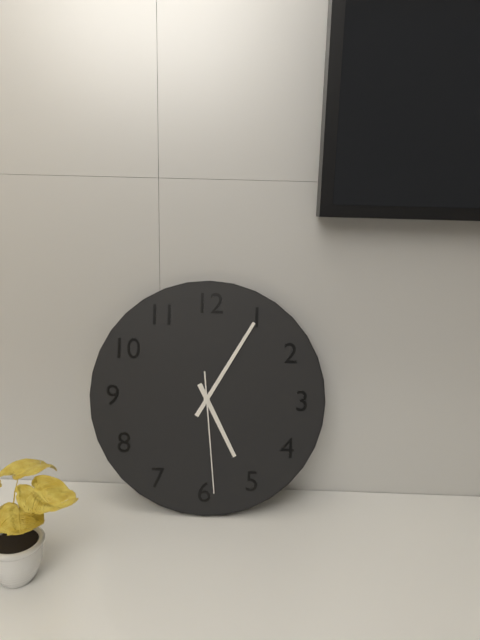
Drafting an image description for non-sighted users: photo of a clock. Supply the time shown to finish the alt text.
5:05:29
